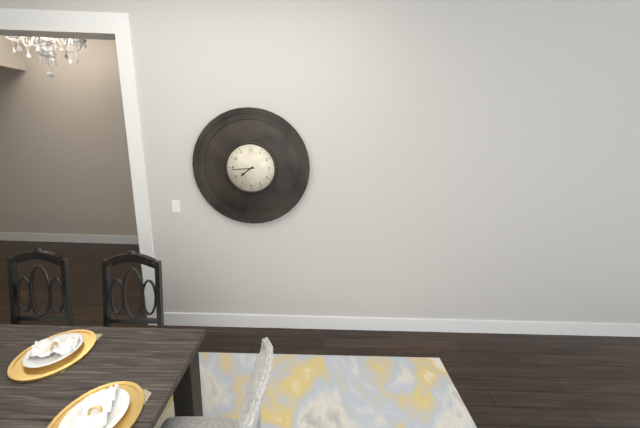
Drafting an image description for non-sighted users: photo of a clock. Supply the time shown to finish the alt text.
7:44
